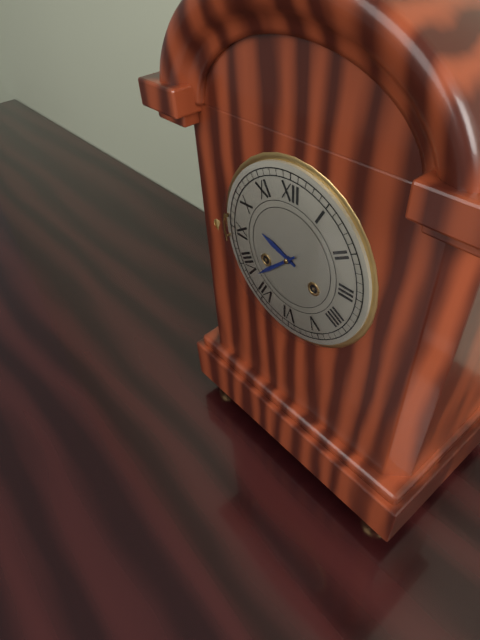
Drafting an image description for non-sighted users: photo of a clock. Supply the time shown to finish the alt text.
9:38
